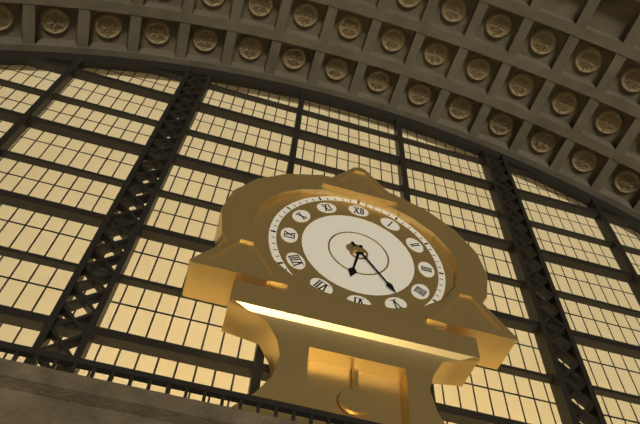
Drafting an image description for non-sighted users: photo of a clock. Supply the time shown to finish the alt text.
6:24
